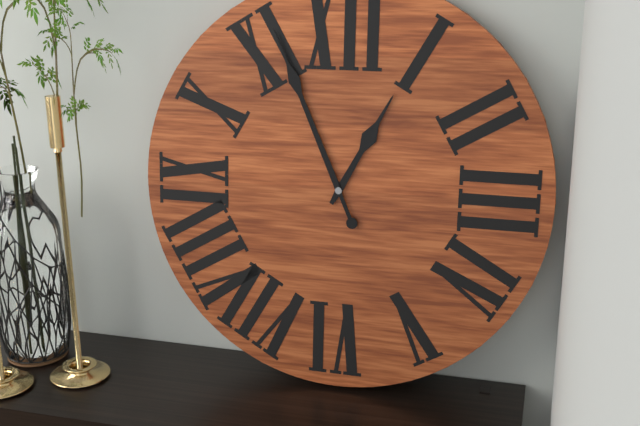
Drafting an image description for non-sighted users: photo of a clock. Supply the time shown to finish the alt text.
12:56
